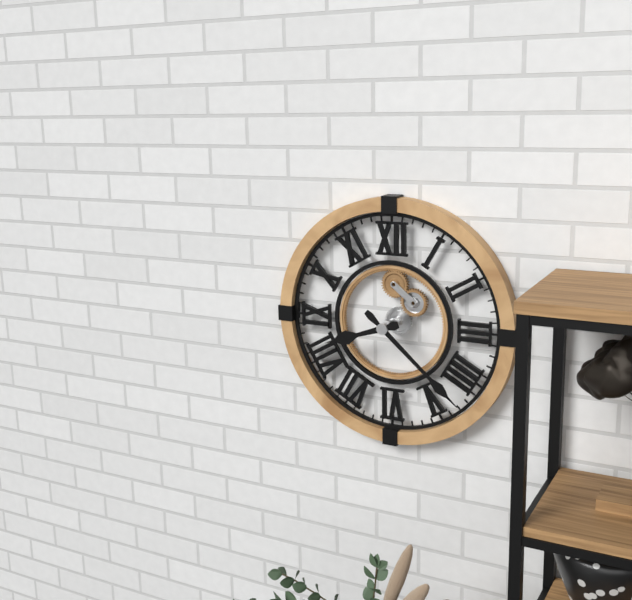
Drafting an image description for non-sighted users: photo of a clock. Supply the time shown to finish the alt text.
8:22
